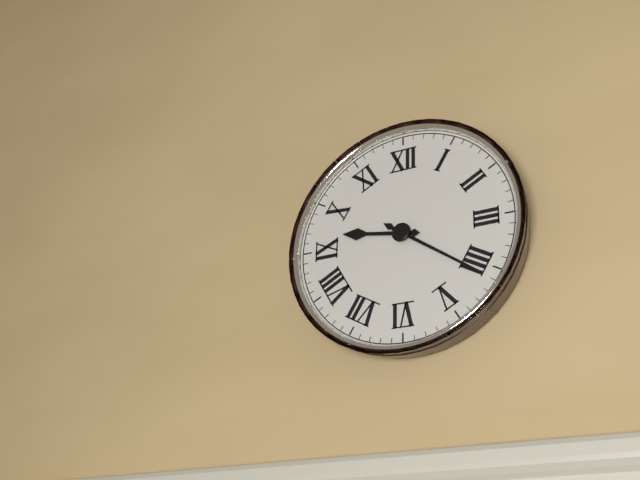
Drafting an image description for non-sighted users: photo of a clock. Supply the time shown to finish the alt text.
9:21
